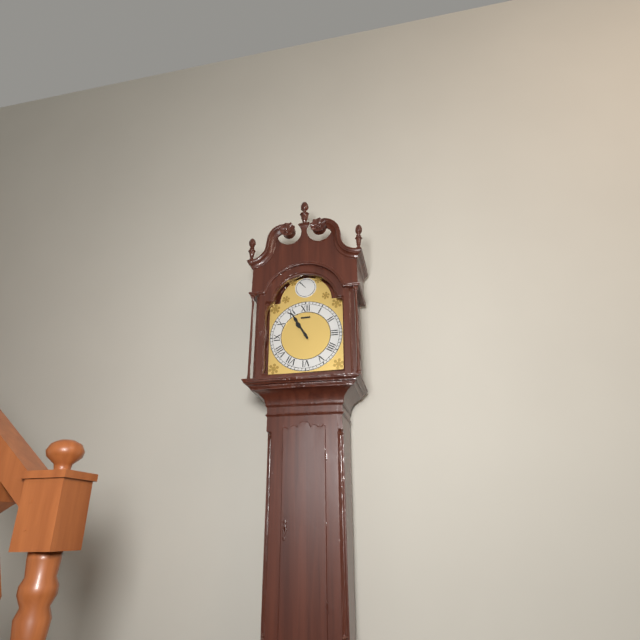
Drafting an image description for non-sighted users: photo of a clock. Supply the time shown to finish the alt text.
10:55
